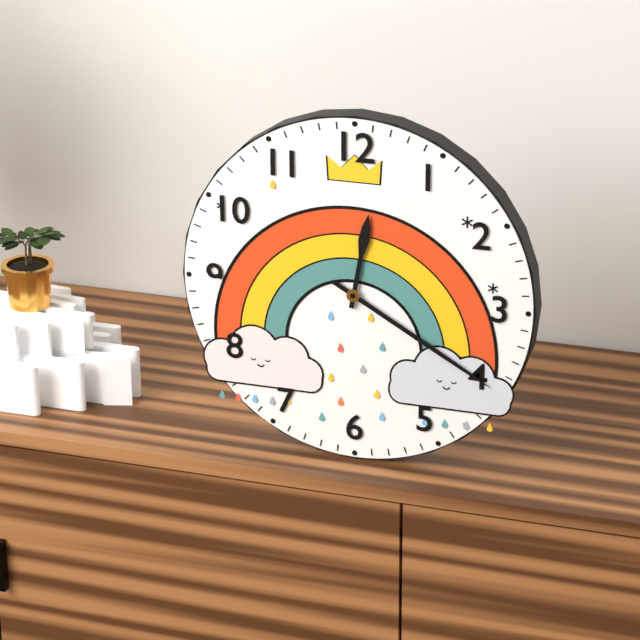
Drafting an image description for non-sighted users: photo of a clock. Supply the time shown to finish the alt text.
12:20
